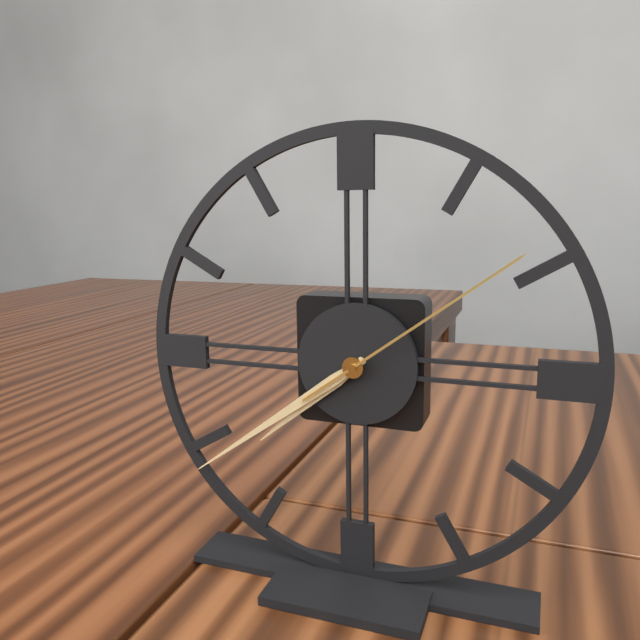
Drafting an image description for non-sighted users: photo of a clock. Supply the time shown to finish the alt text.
7:39:09
